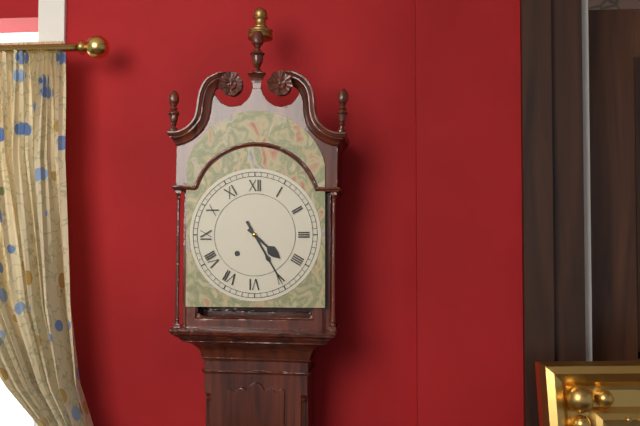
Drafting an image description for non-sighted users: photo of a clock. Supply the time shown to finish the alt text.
4:25
